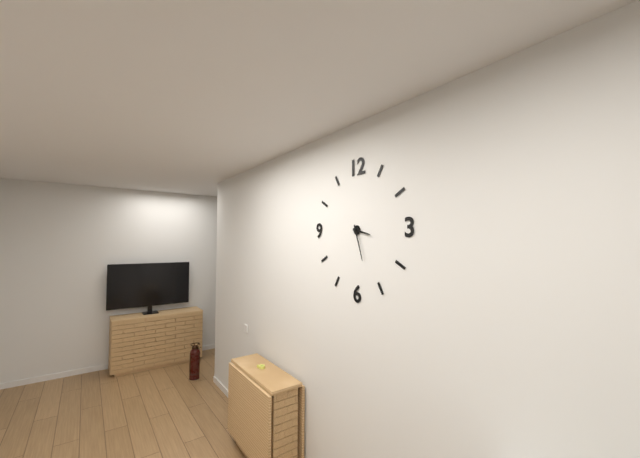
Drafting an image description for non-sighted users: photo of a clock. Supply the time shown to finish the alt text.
3:27
